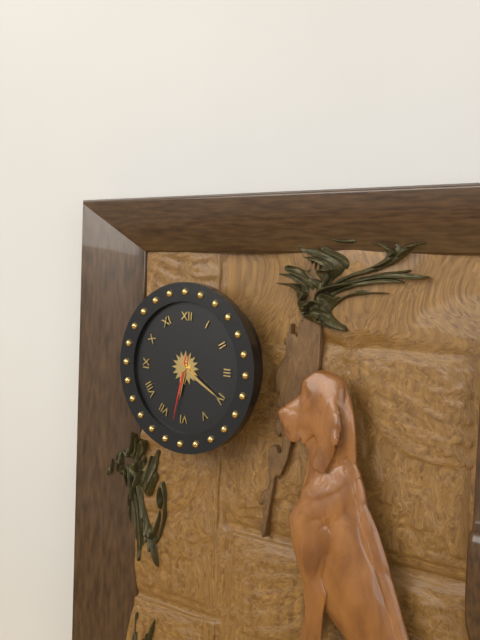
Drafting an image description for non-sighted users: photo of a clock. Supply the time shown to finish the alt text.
6:20:32
